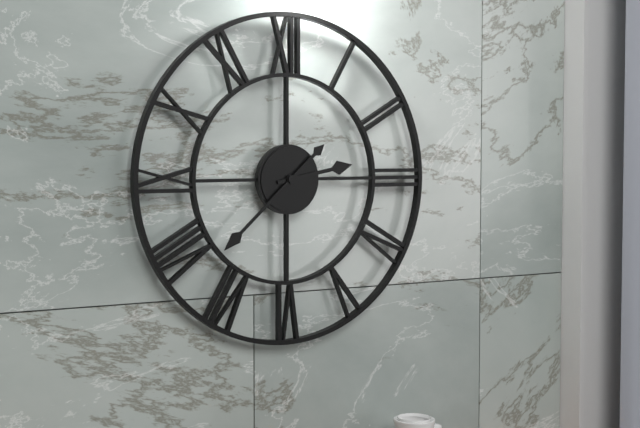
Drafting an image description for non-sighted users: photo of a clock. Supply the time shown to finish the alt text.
2:38
